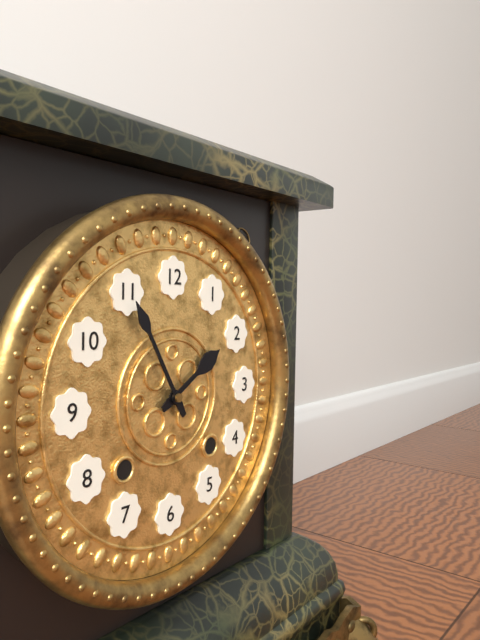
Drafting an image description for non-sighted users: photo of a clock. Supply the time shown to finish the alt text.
1:55
